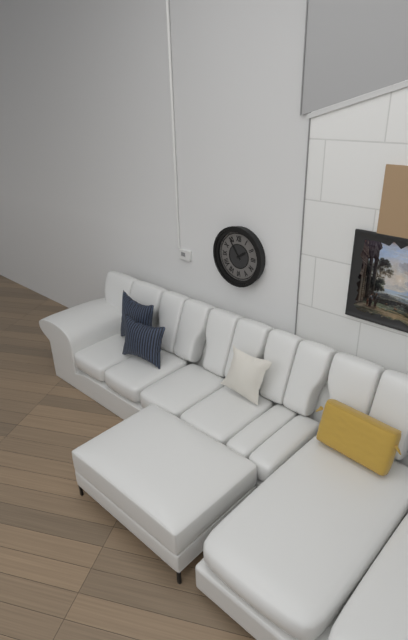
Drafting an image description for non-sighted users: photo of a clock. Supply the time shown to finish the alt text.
1:54
